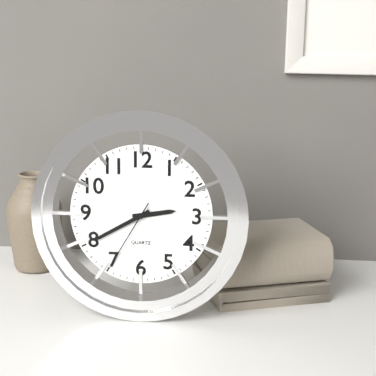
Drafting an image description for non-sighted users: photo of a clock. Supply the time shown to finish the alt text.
2:40:35
